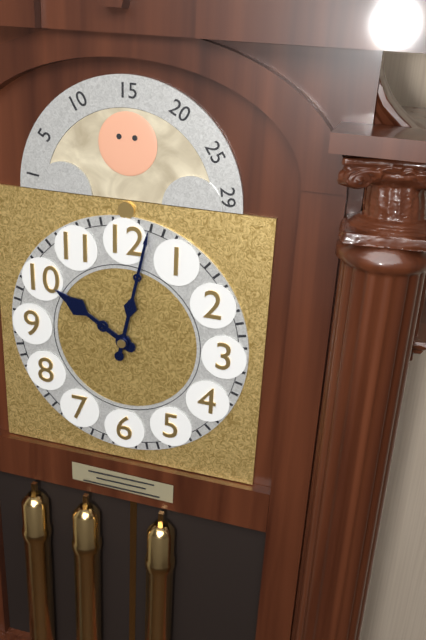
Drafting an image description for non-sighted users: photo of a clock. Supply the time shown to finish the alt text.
10:02
